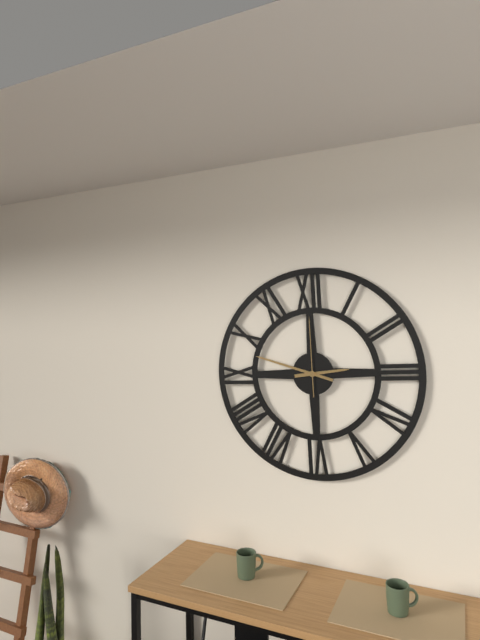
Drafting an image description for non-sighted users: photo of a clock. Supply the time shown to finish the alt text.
2:48:00
